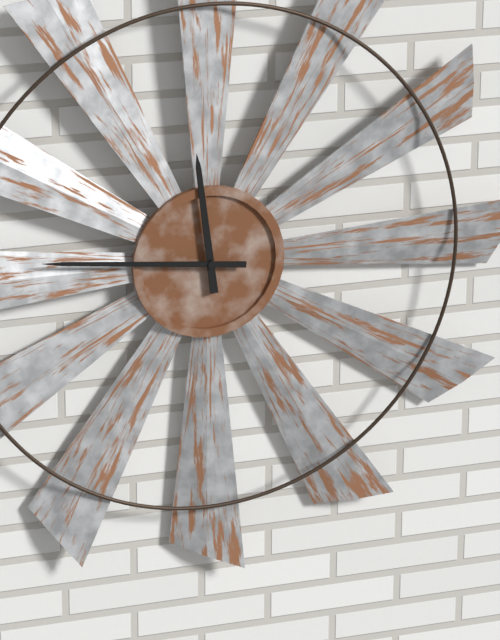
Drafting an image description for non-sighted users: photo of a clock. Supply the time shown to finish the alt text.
11:46
